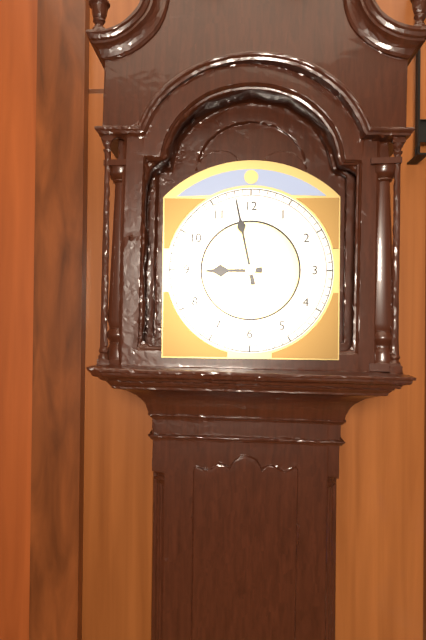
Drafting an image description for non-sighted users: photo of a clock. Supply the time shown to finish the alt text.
8:58
